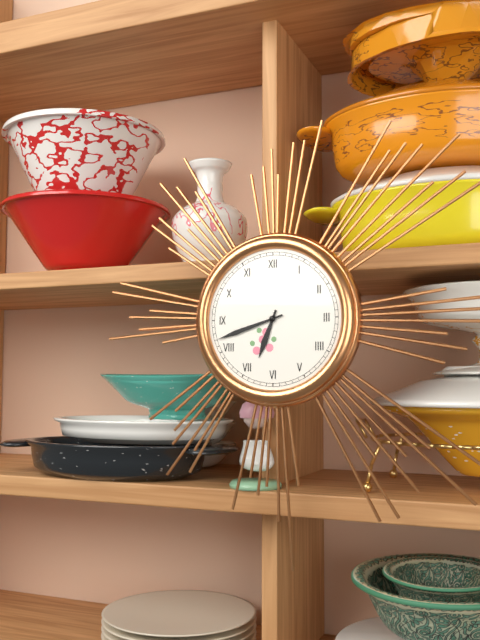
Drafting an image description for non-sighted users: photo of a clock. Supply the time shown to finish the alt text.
6:42
